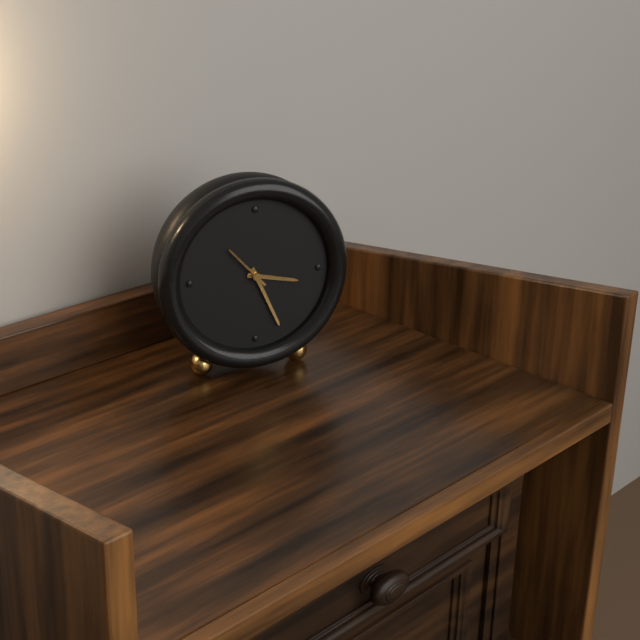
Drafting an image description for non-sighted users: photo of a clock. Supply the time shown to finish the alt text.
3:26
